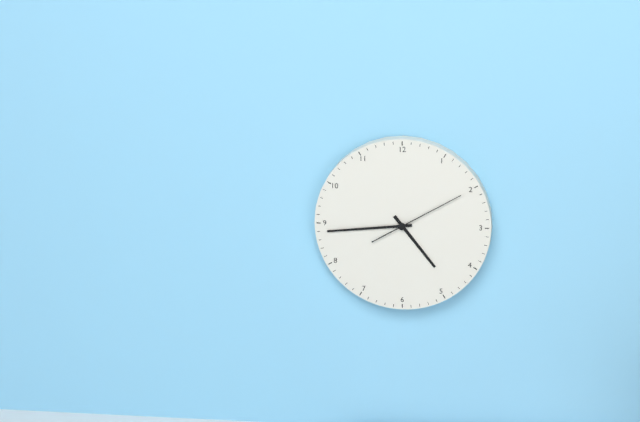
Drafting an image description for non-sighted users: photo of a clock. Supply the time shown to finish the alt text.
4:44:10
